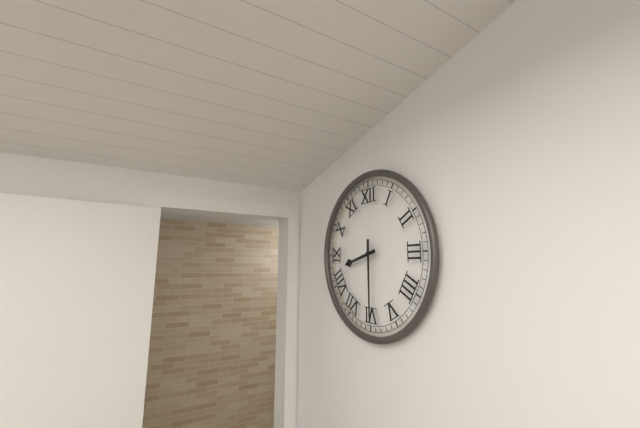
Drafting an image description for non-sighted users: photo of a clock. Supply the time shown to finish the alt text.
8:30
